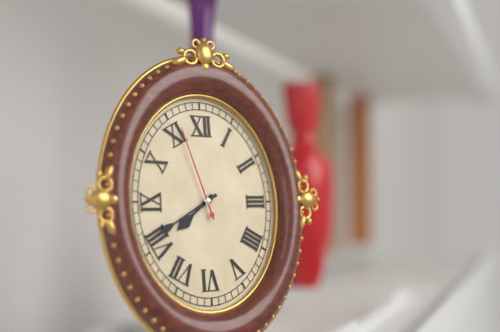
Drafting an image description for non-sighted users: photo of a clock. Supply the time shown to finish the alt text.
7:40:57
